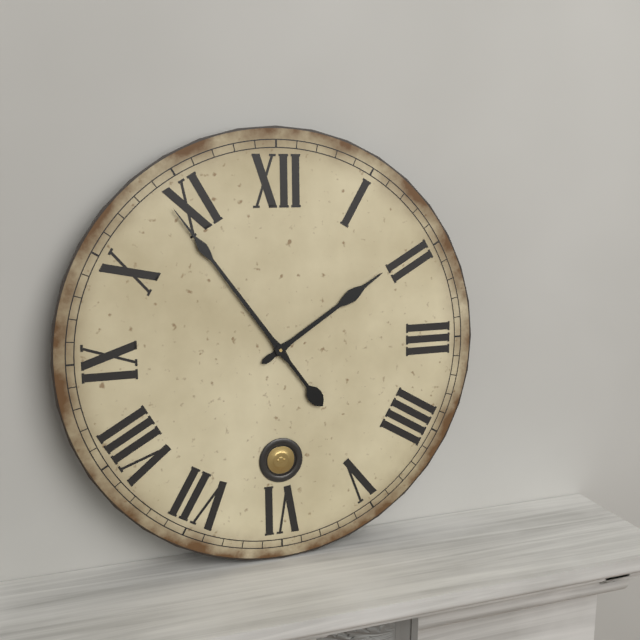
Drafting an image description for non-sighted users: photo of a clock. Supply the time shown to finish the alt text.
1:54
